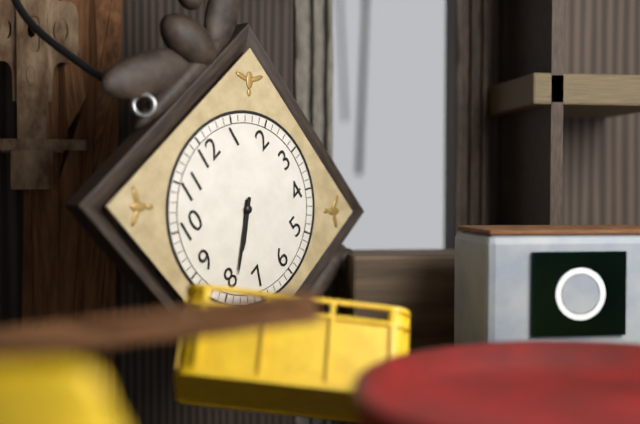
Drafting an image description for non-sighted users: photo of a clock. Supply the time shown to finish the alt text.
7:39
